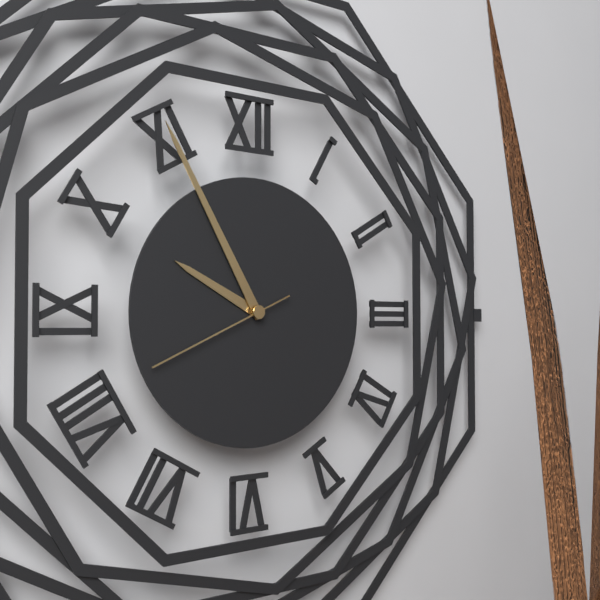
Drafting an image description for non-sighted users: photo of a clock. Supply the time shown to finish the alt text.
9:55:41
